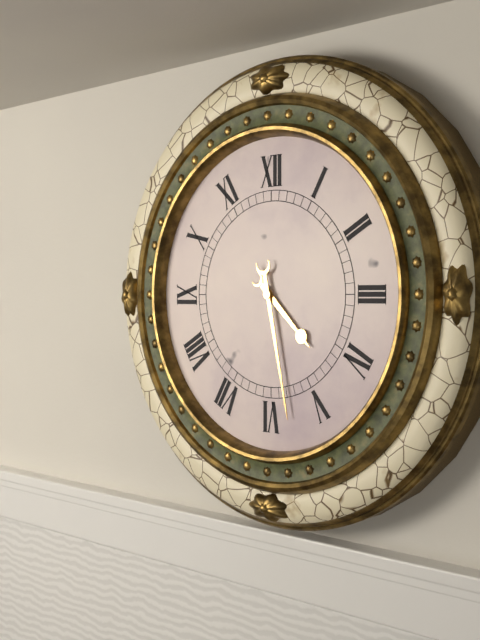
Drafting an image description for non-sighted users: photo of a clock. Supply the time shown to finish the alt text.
4:28
